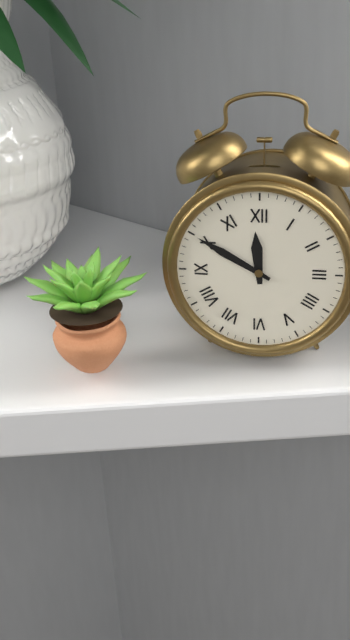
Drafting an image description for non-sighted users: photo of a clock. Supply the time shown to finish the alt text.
11:50
